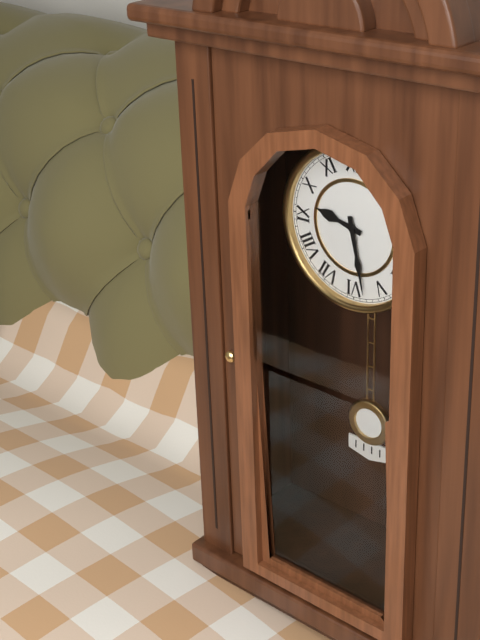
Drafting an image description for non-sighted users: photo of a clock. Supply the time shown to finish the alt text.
9:28
